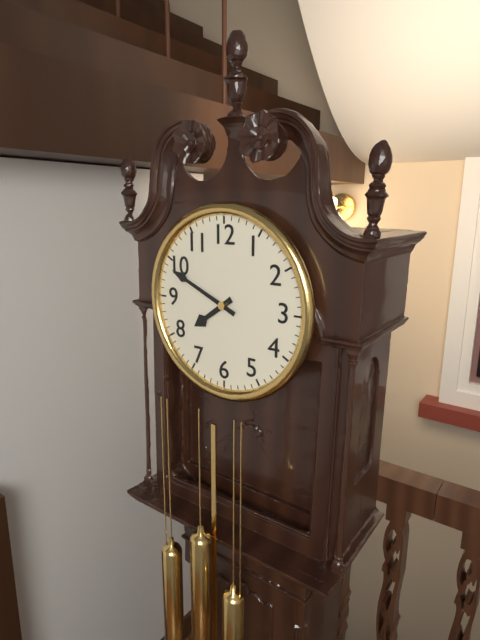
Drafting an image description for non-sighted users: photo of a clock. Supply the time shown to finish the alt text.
7:49
